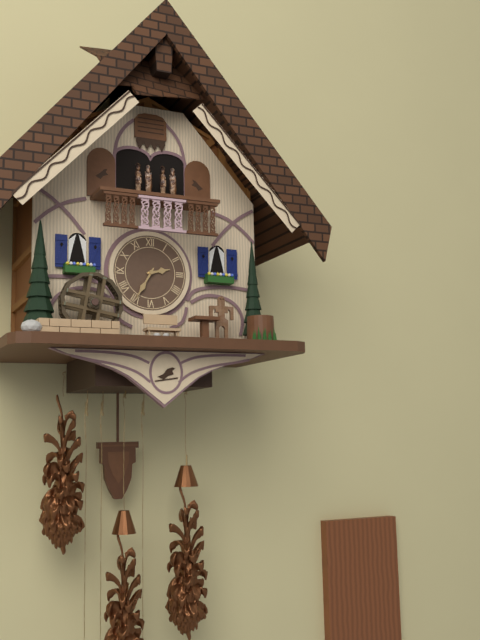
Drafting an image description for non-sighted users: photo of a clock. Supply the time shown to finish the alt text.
2:35
